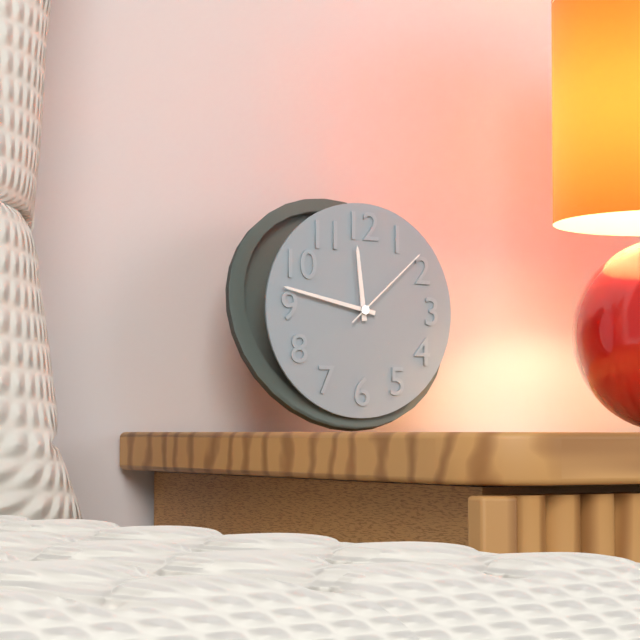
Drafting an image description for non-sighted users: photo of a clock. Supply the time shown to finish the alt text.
11:47:08
